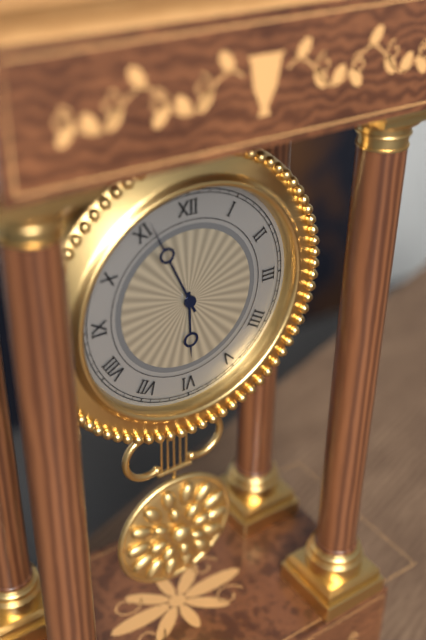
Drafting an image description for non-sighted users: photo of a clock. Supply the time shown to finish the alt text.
5:56
